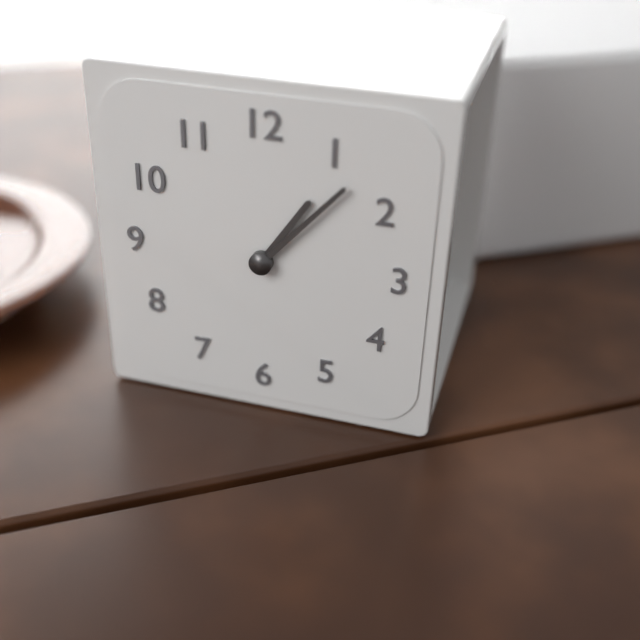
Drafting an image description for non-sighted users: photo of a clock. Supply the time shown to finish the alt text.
1:07
